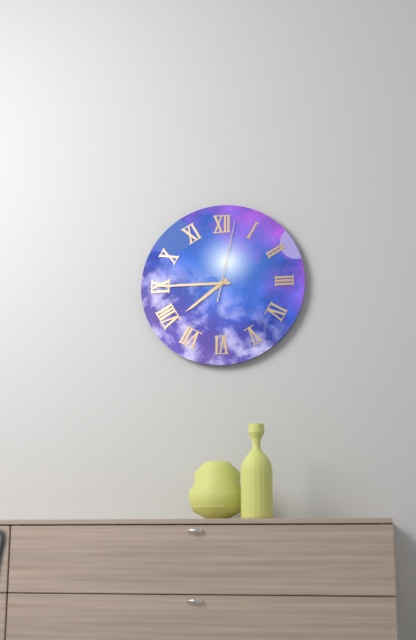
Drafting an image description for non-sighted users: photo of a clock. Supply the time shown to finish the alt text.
7:45:02
